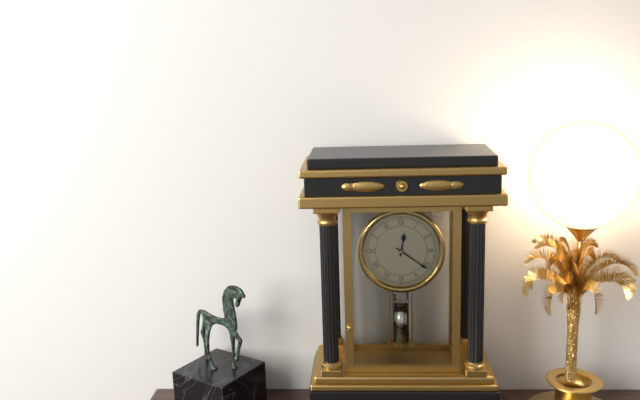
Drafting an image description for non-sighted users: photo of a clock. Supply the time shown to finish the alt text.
12:21
